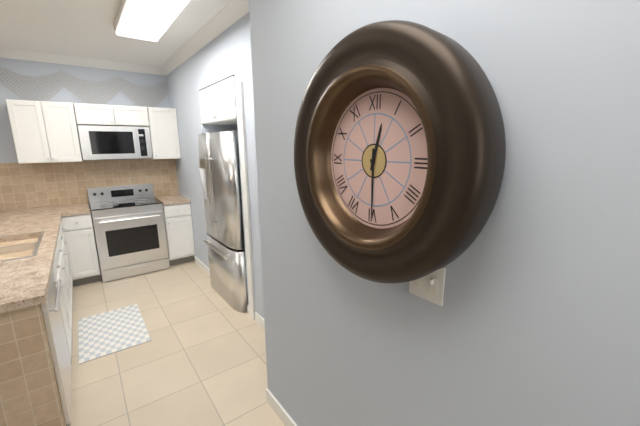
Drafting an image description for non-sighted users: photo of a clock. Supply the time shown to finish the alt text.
12:30
